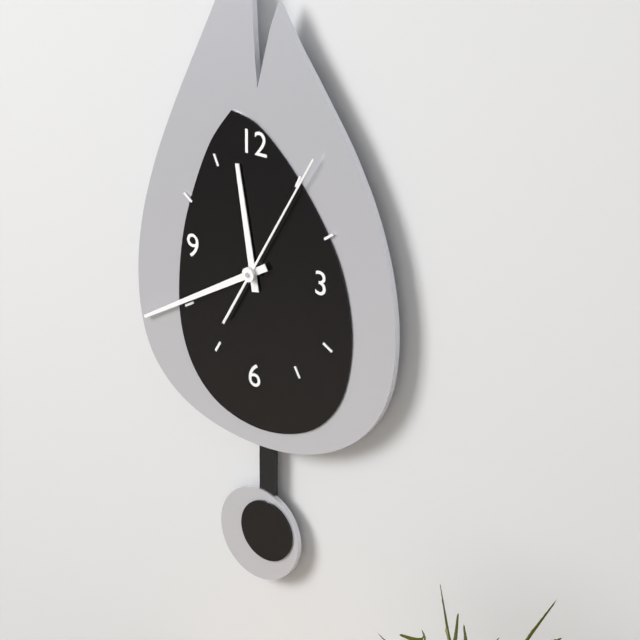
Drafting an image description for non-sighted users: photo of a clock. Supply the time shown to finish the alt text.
11:40:05
